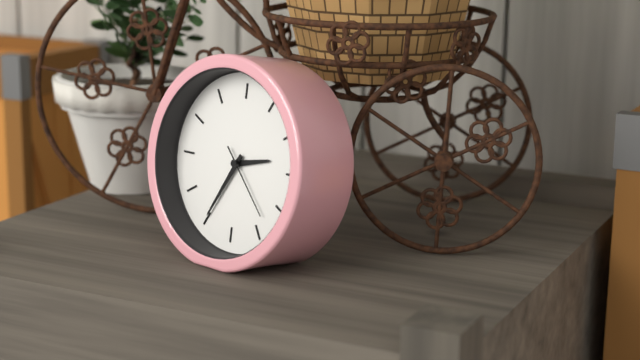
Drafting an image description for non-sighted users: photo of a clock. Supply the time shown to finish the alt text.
2:35:23
